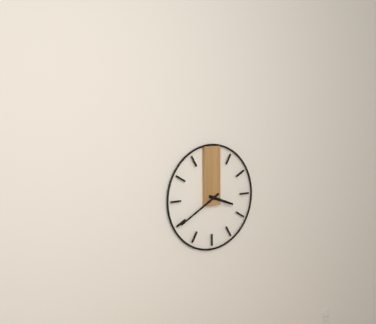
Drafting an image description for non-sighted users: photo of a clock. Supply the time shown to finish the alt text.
3:40
